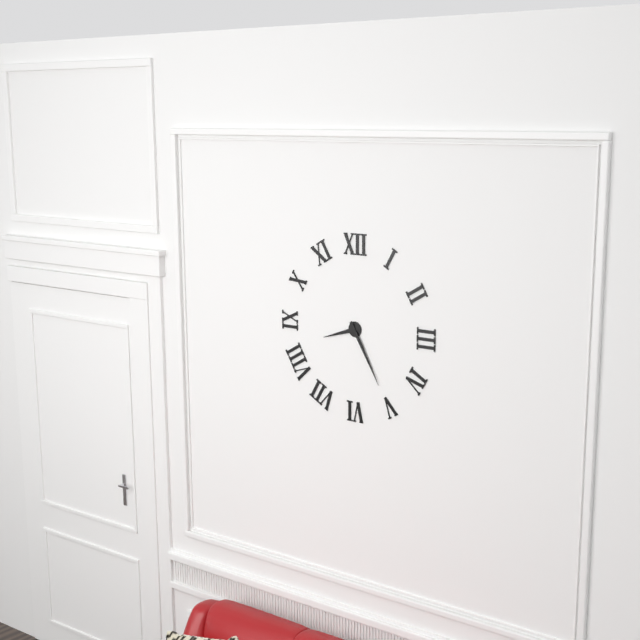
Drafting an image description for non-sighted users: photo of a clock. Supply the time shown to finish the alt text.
8:25
